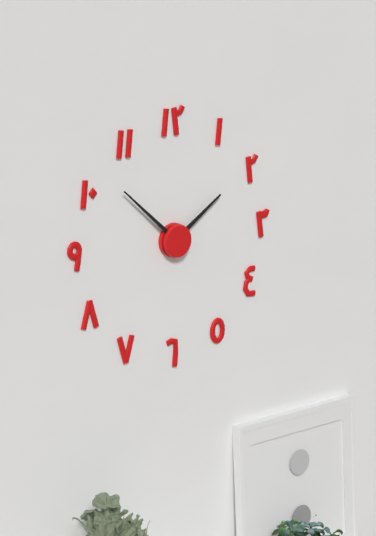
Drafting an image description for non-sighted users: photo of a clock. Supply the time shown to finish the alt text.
1:52
